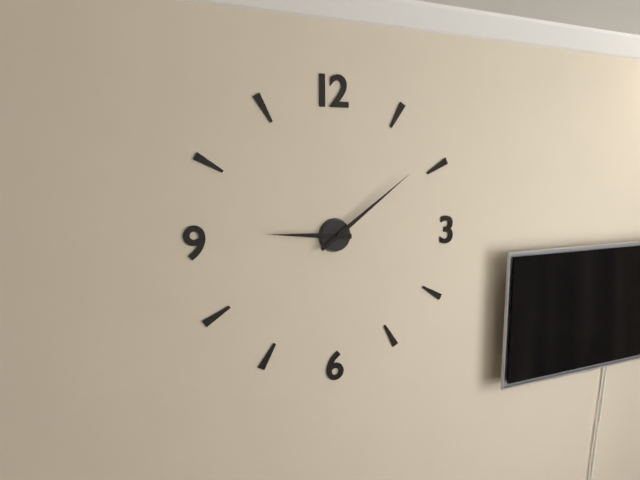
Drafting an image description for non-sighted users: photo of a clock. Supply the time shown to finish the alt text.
9:09
